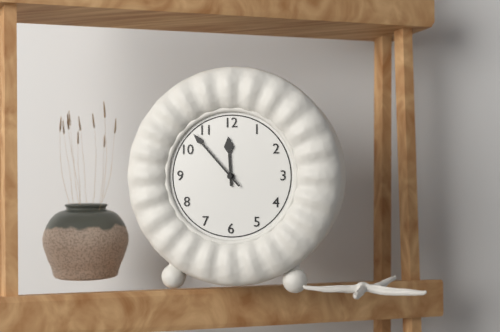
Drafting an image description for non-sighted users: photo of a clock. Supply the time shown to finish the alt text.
11:53
